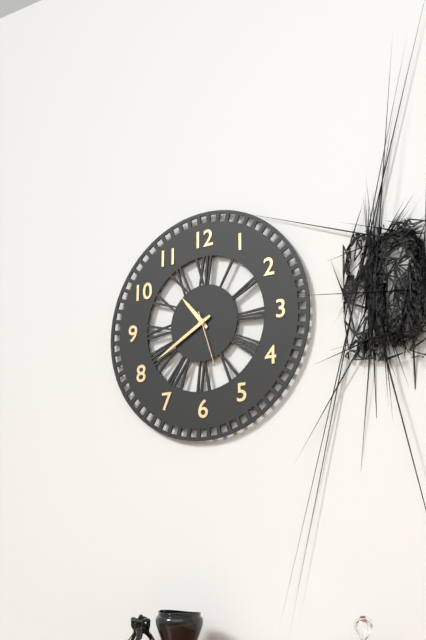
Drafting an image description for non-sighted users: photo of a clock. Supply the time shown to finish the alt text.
10:40:27
